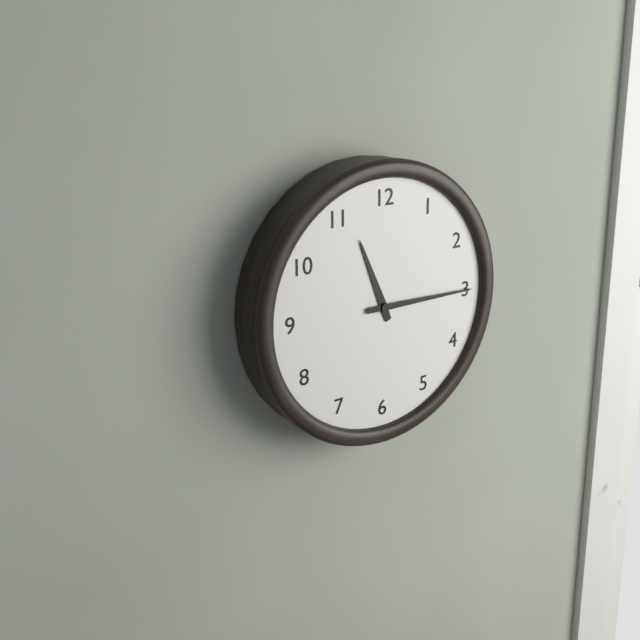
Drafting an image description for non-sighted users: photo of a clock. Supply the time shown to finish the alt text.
11:15
